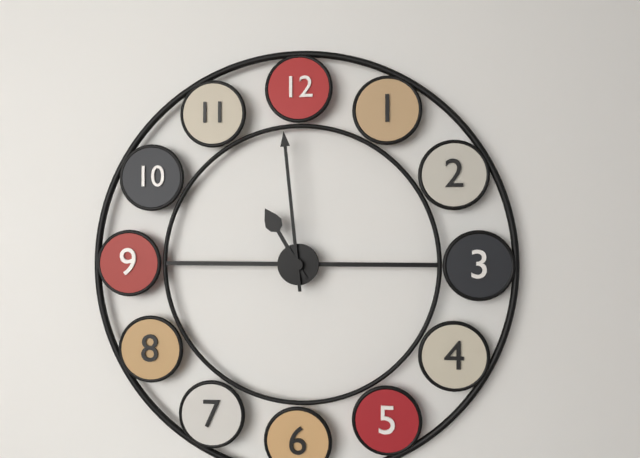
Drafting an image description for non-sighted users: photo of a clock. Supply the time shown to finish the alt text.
10:59
